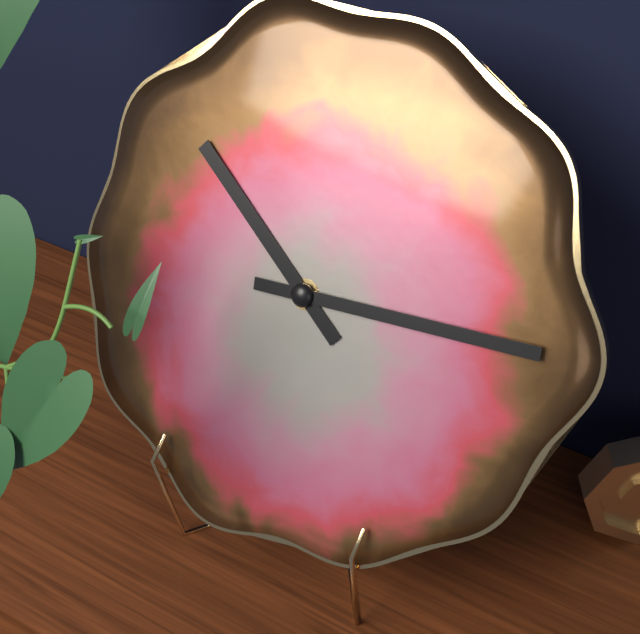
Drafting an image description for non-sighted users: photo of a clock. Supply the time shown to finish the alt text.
10:14
